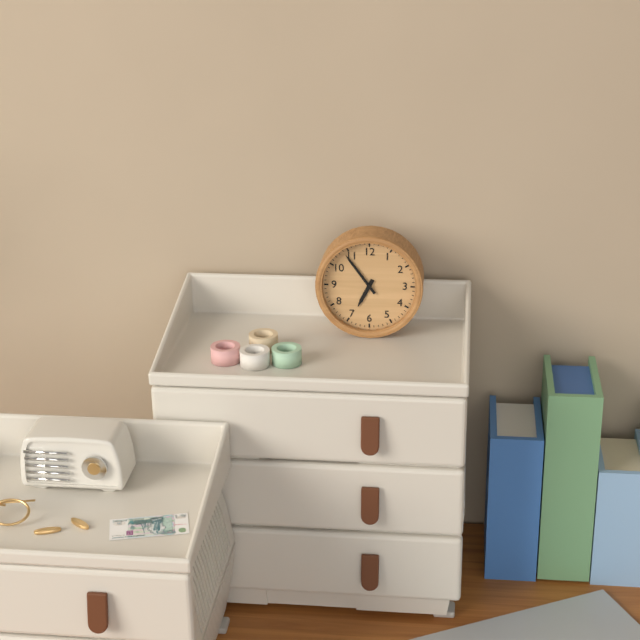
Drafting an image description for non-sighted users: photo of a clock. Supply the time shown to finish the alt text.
6:54
